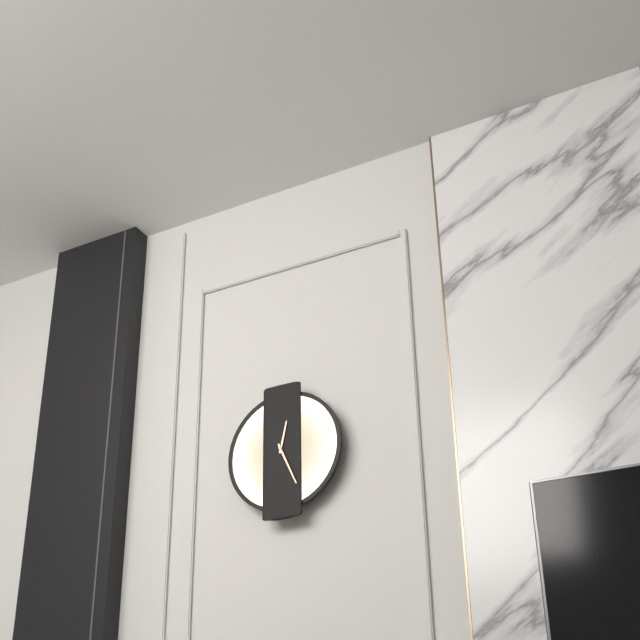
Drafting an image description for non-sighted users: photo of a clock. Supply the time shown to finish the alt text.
12:26
